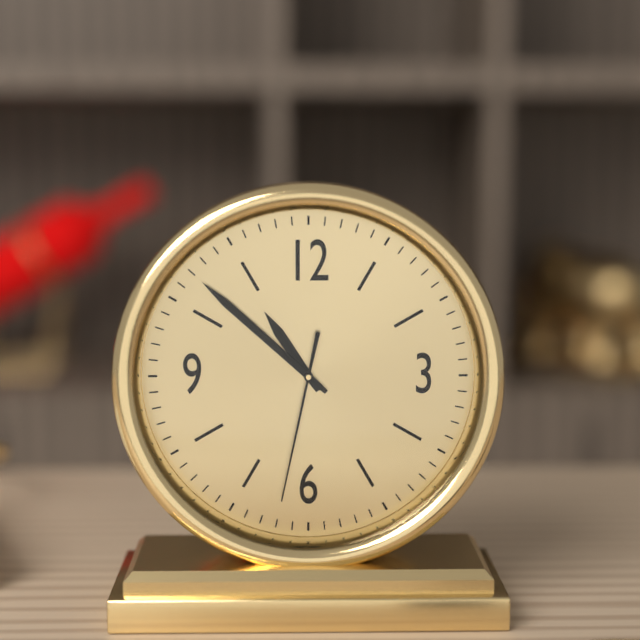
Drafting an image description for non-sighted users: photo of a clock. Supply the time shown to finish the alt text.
10:52:32
